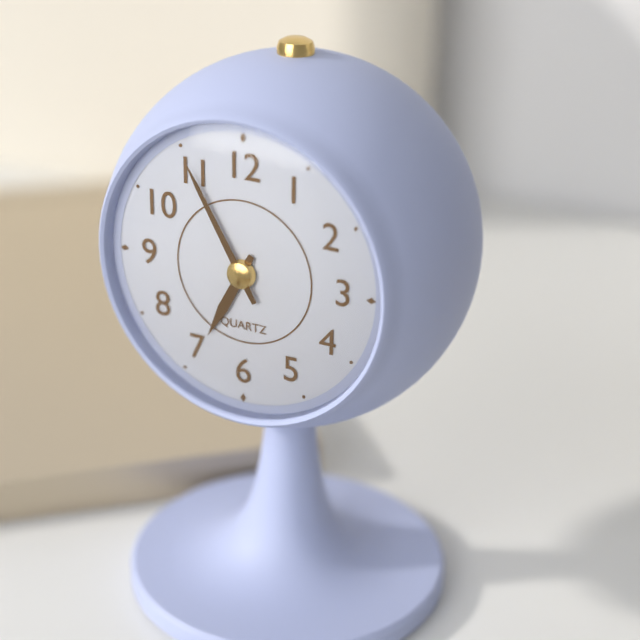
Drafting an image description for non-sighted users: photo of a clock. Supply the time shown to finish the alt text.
6:55
